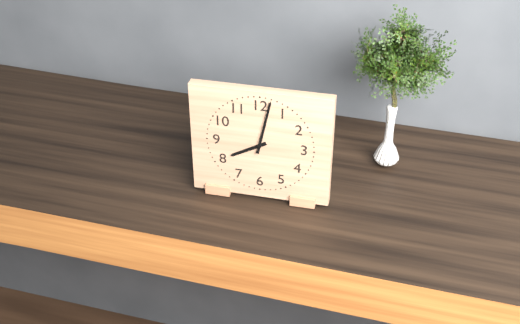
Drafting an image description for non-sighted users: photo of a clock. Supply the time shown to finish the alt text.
8:02
